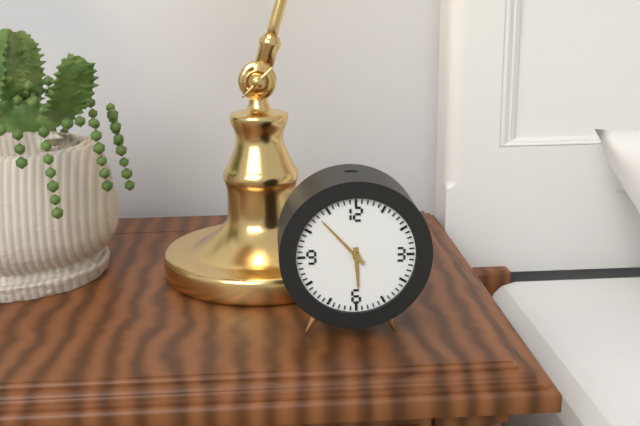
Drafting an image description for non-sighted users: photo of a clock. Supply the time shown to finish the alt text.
5:53
